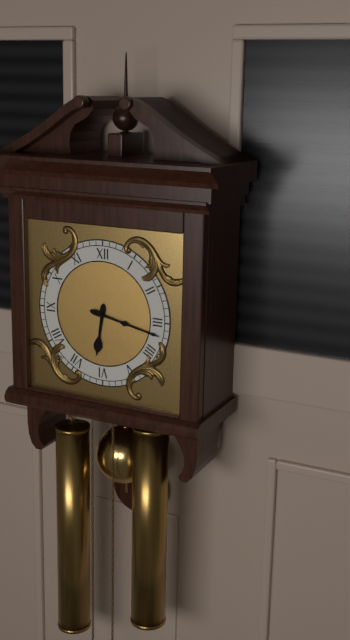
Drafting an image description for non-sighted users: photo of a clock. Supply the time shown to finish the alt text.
6:17
